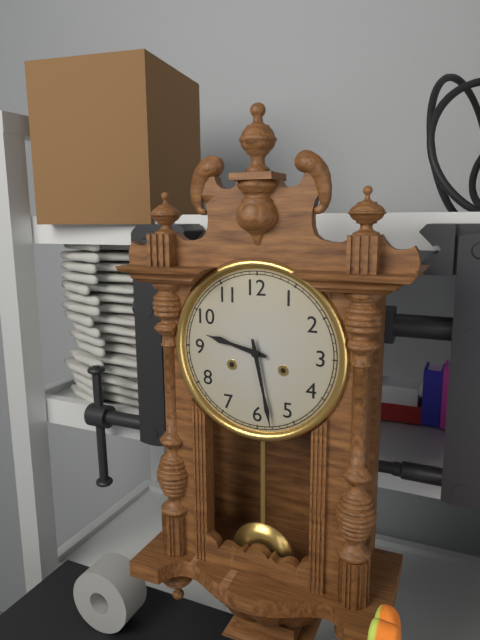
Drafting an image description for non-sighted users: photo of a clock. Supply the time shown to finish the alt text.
9:28
